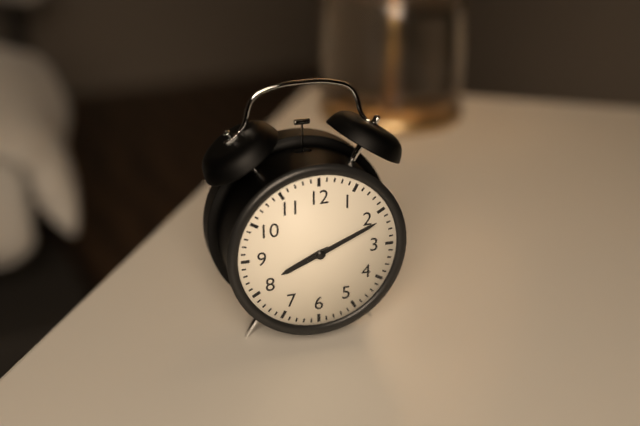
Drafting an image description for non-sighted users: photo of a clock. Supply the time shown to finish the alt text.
8:11
